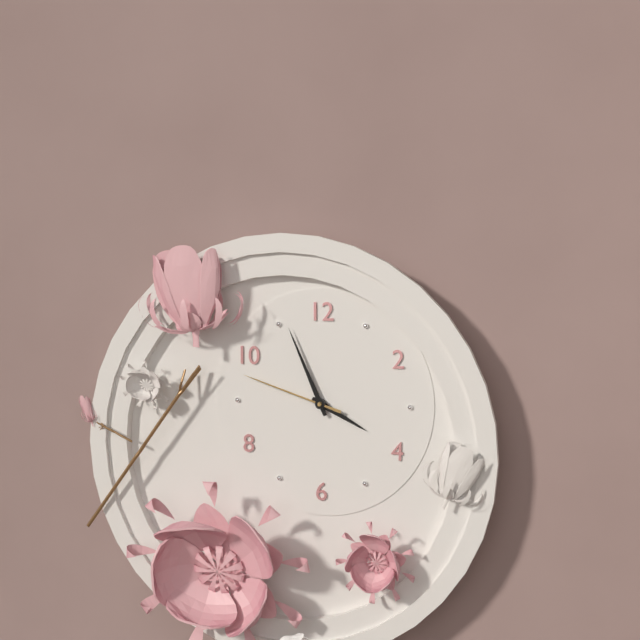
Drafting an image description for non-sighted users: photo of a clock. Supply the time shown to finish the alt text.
3:56:48
